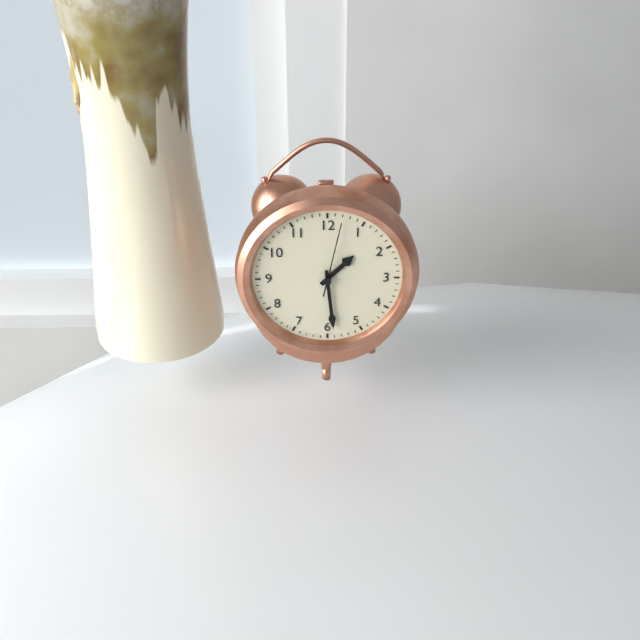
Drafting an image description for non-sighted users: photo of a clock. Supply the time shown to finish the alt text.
1:29:02
